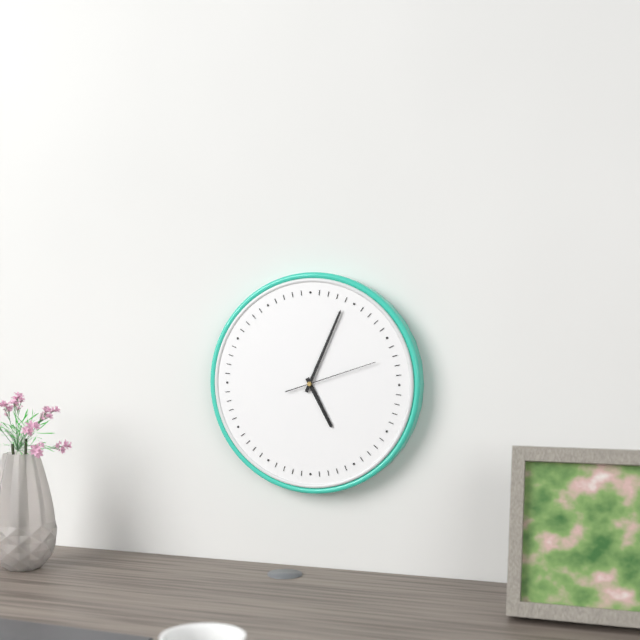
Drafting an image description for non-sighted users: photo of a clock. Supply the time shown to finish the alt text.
5:04:12
